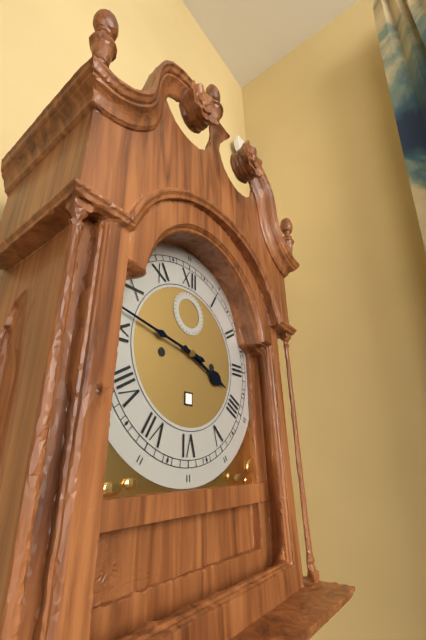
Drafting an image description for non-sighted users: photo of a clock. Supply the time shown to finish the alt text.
3:47
